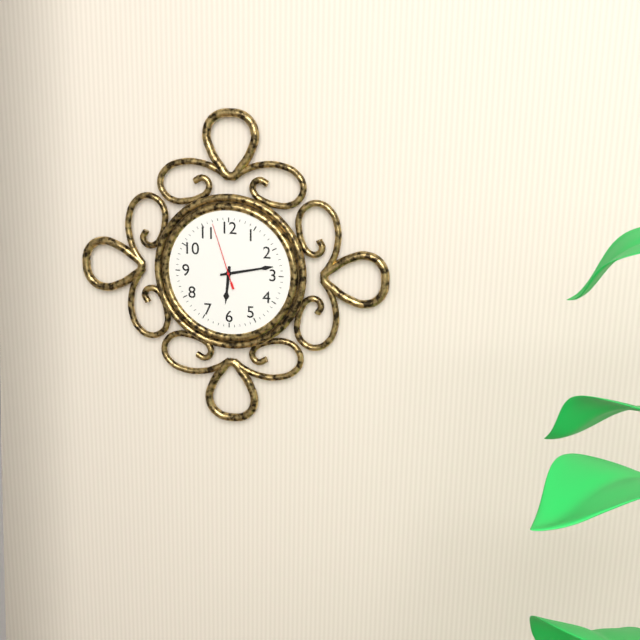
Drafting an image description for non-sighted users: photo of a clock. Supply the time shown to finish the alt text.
6:13:57
